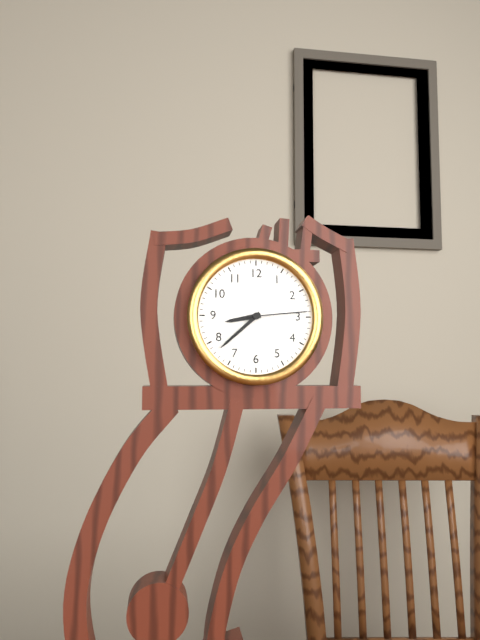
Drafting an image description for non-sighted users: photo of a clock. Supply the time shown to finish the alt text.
8:38:14
